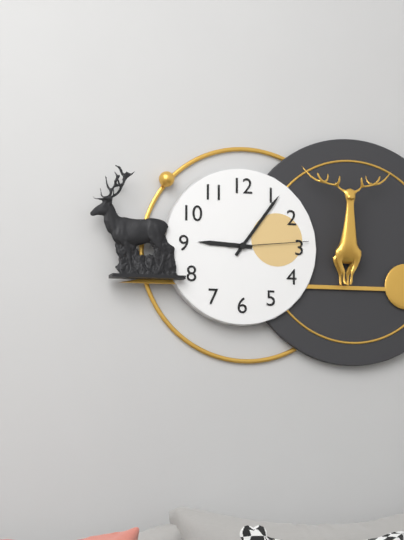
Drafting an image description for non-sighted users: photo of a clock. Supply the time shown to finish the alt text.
9:06:14
